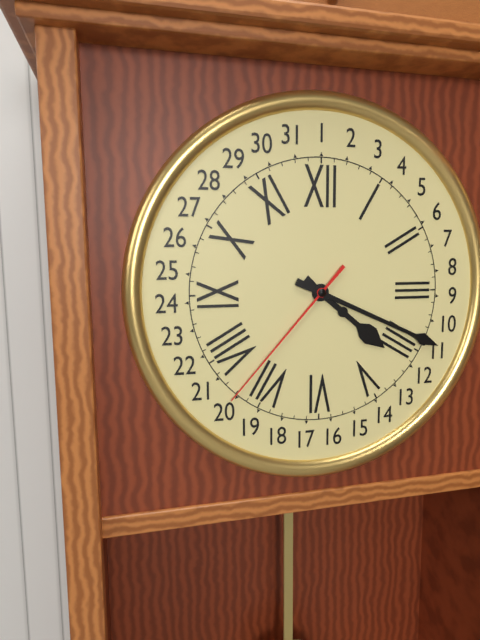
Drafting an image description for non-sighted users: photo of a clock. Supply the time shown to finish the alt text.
4:19:37
